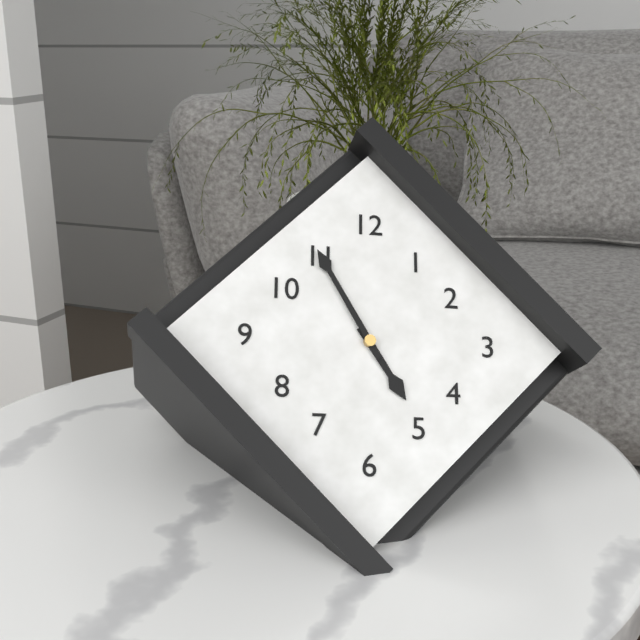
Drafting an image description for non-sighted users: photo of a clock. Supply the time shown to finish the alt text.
4:55
